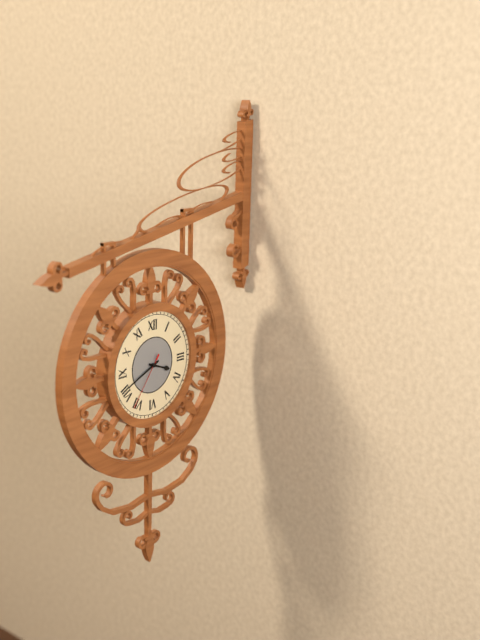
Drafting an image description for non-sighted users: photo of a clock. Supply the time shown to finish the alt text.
3:41:36
